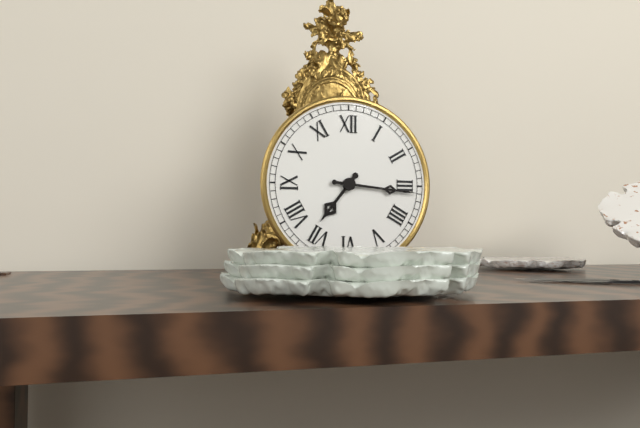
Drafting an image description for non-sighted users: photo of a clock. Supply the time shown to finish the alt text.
7:16
